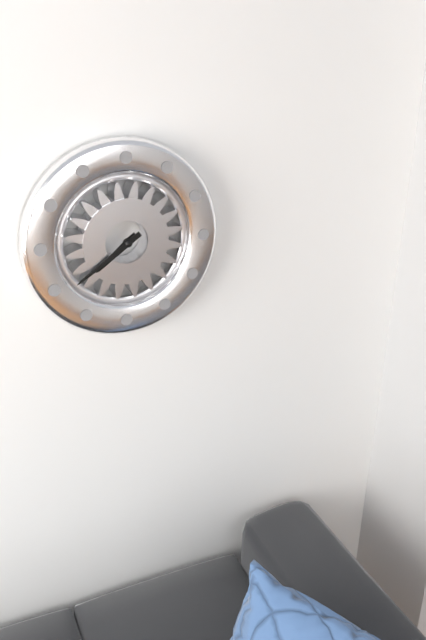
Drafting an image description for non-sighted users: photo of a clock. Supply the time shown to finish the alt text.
7:39
